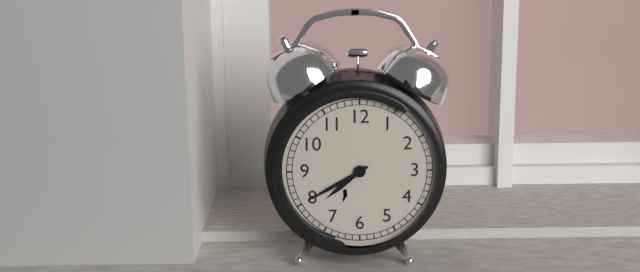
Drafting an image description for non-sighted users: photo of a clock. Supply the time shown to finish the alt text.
7:40
